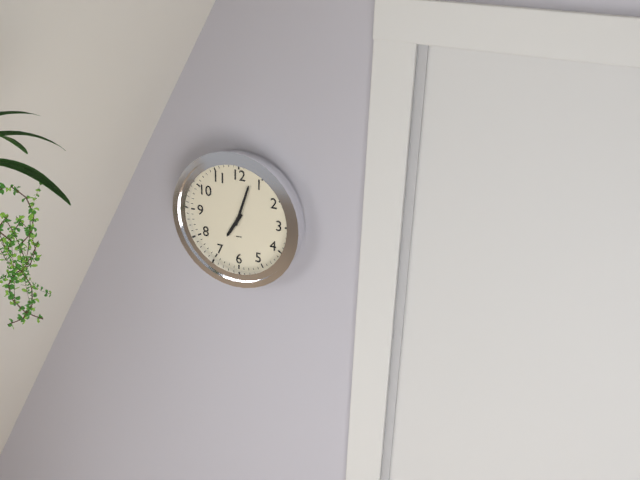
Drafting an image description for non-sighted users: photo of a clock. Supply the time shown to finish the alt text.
7:03
